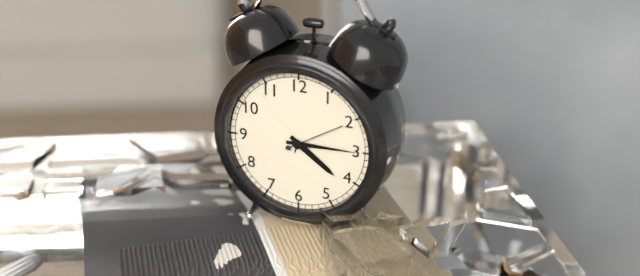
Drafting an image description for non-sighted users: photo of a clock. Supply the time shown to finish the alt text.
4:15:10
